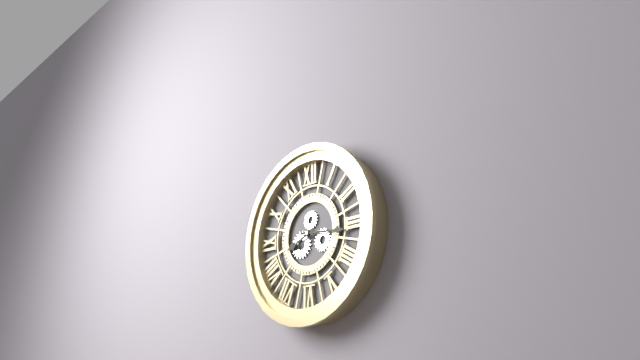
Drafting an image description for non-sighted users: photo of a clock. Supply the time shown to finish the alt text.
8:16
